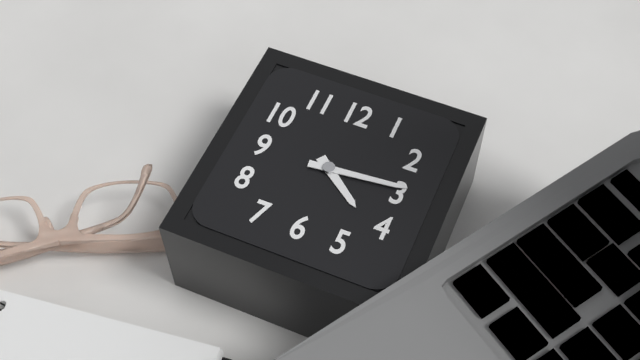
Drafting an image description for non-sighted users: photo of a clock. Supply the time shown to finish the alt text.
4:14
